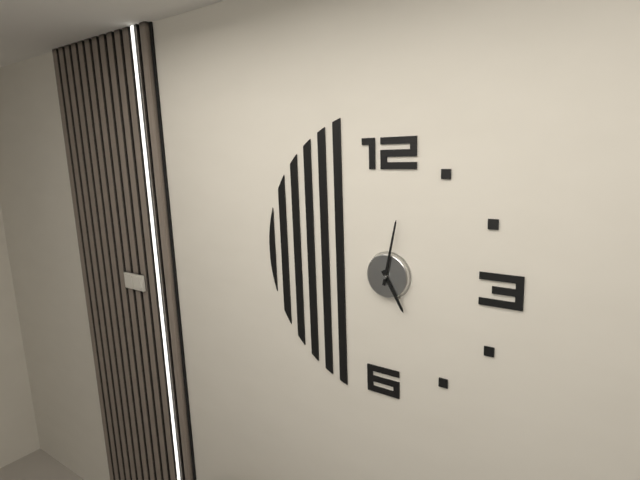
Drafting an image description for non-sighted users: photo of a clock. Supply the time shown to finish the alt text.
5:02
